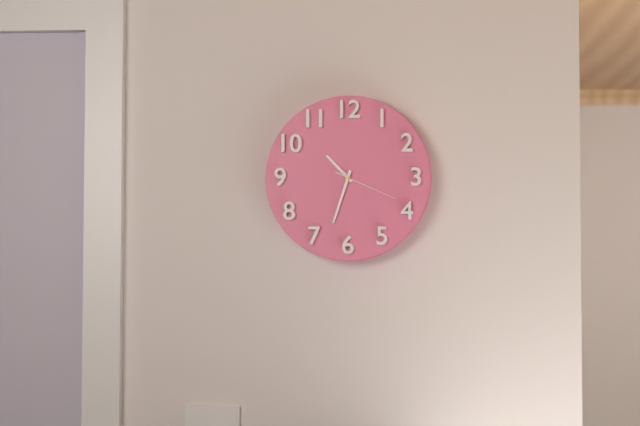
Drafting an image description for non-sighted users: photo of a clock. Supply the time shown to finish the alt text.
10:33:19
